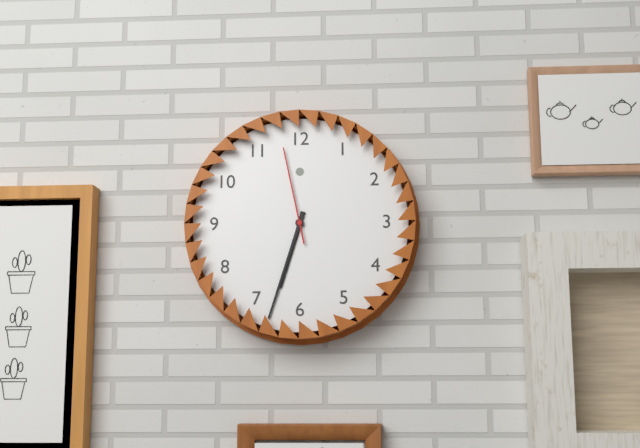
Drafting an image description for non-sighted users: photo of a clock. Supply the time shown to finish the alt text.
6:33:58
